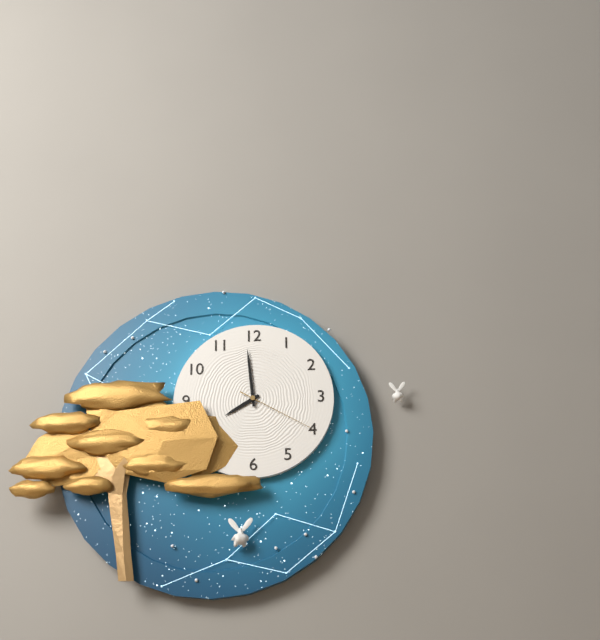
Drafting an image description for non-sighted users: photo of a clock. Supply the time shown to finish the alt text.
7:59:20
